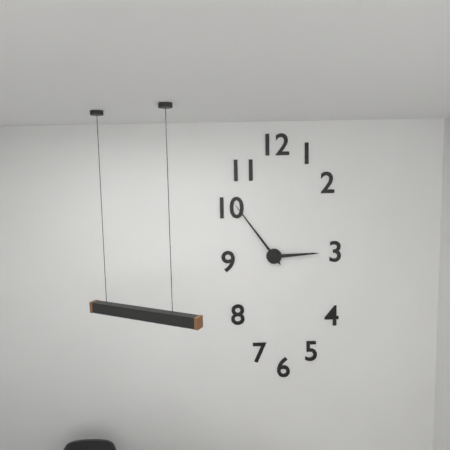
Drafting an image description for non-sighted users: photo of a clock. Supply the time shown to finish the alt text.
2:54
